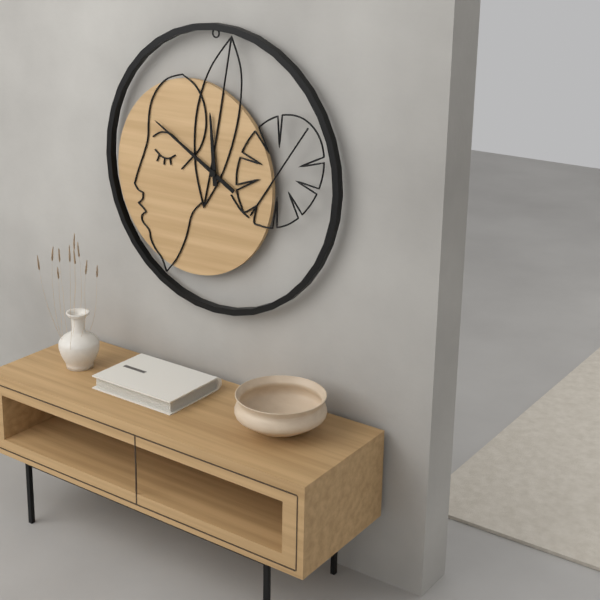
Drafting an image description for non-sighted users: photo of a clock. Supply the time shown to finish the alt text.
11:50
